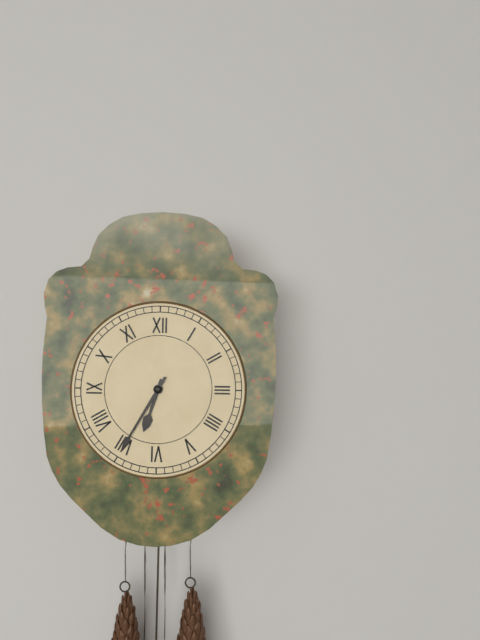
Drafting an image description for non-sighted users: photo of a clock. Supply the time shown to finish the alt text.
6:35
